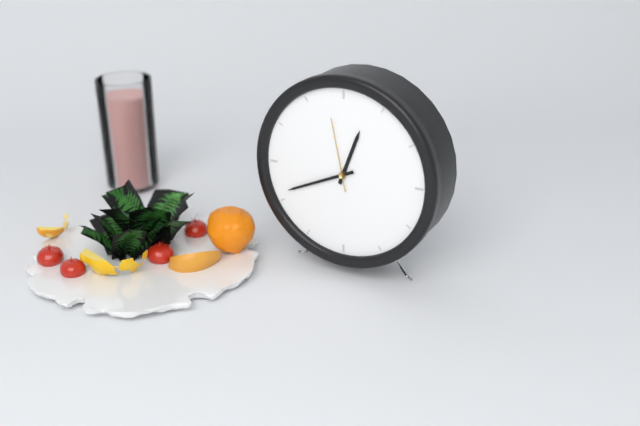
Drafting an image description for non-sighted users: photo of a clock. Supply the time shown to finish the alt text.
12:41:58
